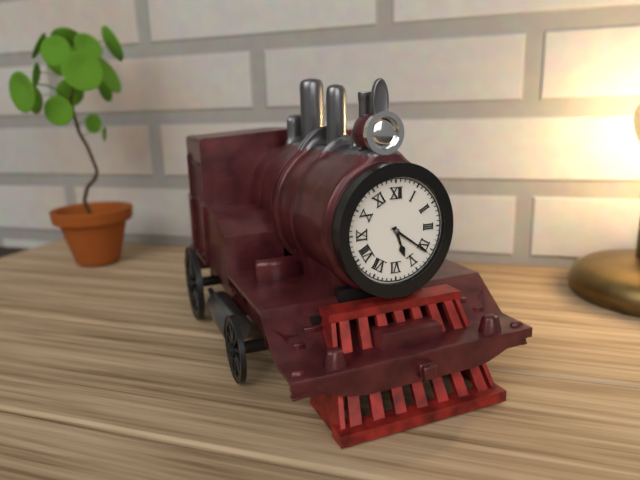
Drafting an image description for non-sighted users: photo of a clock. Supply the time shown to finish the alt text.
5:21
